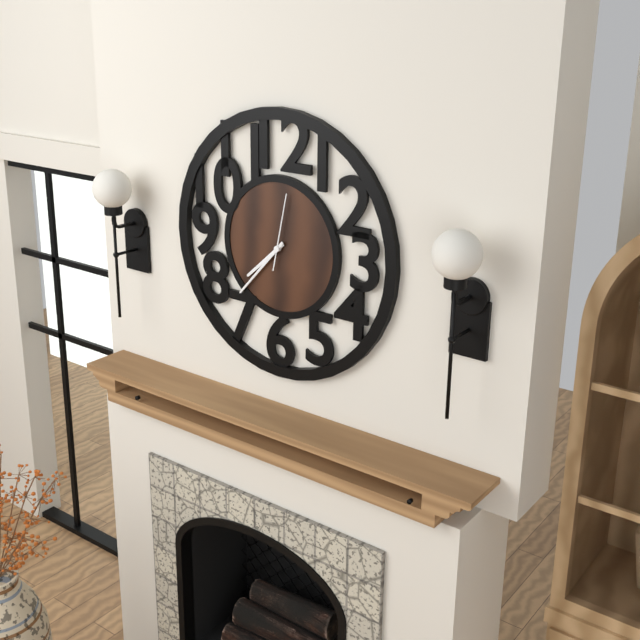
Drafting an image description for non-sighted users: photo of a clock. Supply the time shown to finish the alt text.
7:37:02
